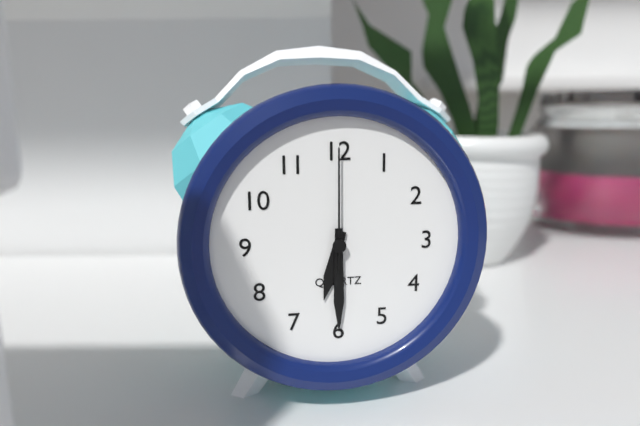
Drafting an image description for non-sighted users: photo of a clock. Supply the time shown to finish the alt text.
6:30:00
